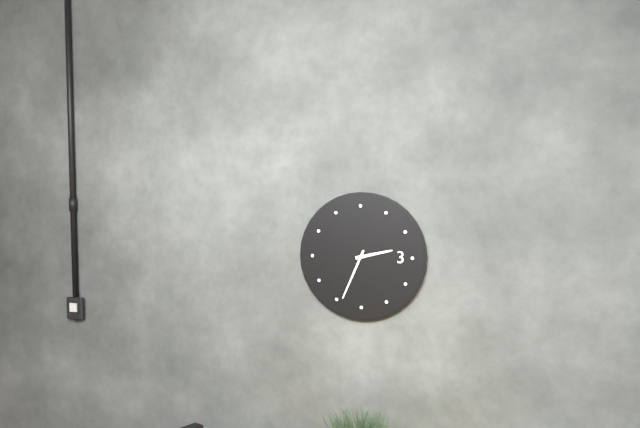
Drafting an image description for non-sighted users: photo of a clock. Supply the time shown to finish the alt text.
2:34
